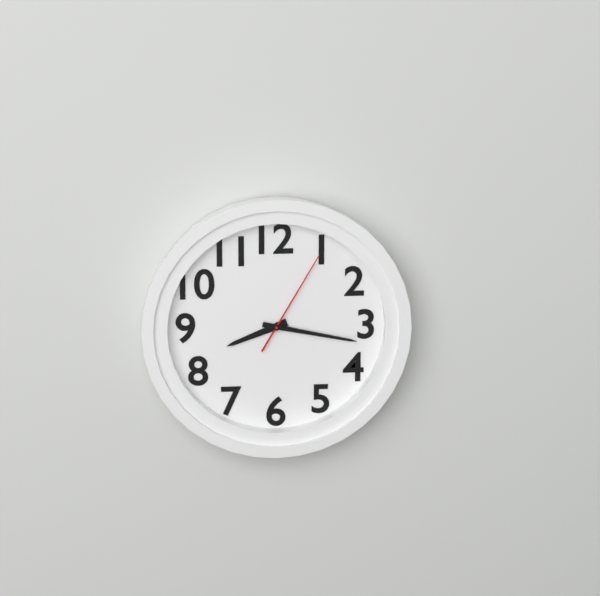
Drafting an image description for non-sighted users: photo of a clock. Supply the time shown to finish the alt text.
8:17:05
